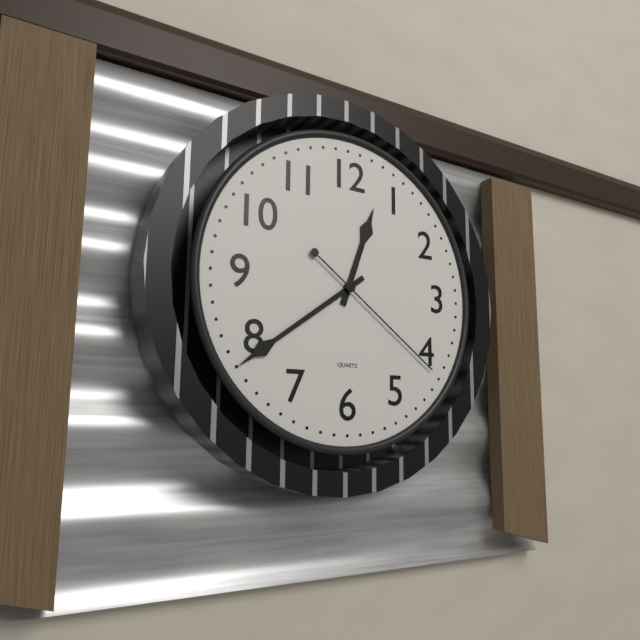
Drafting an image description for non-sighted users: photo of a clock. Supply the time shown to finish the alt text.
12:39:21
